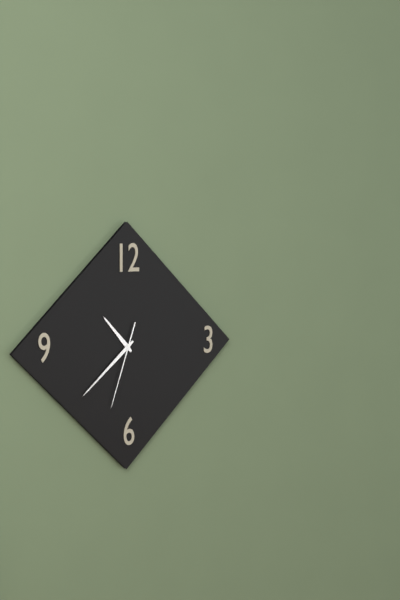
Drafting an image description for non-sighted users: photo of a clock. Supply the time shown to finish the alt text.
10:38:33
